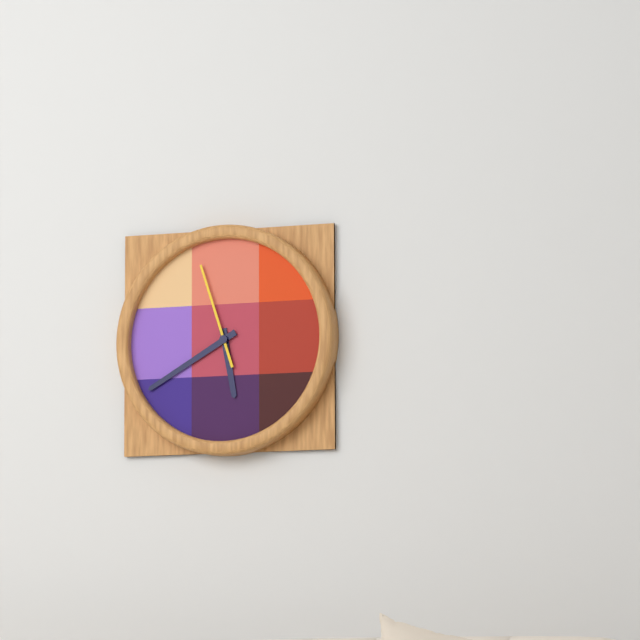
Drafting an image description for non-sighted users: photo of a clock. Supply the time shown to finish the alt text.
5:40:57
